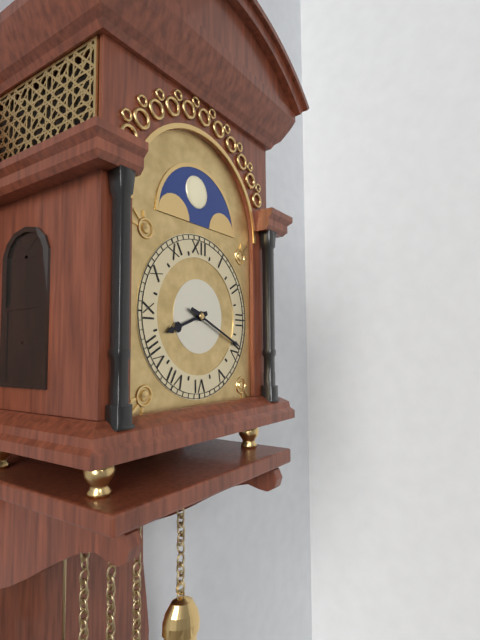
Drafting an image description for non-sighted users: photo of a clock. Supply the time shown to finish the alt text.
8:19
